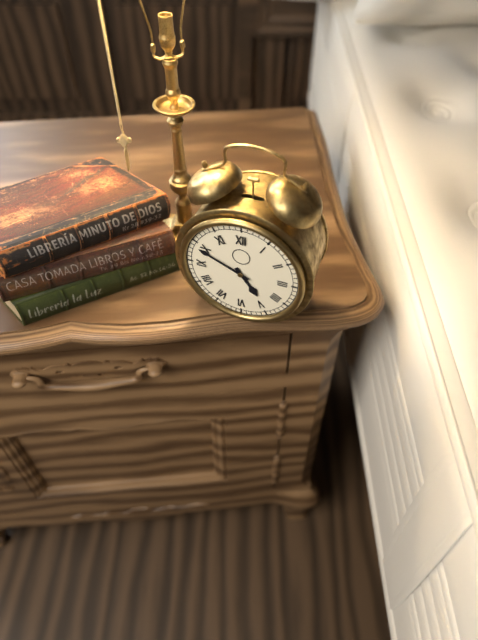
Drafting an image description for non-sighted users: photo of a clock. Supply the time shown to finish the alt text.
4:49
